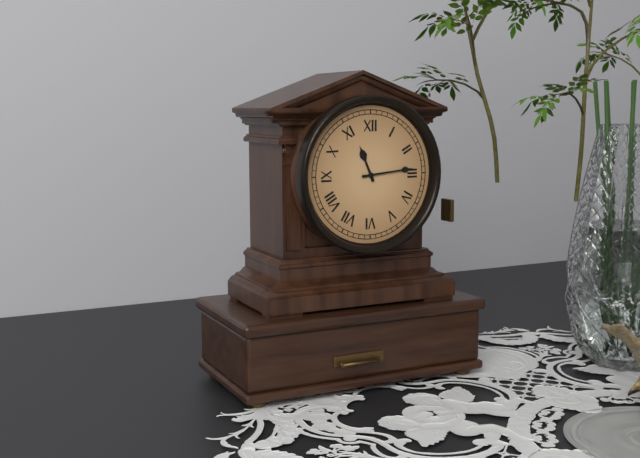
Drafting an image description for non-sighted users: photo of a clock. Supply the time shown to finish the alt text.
11:14
